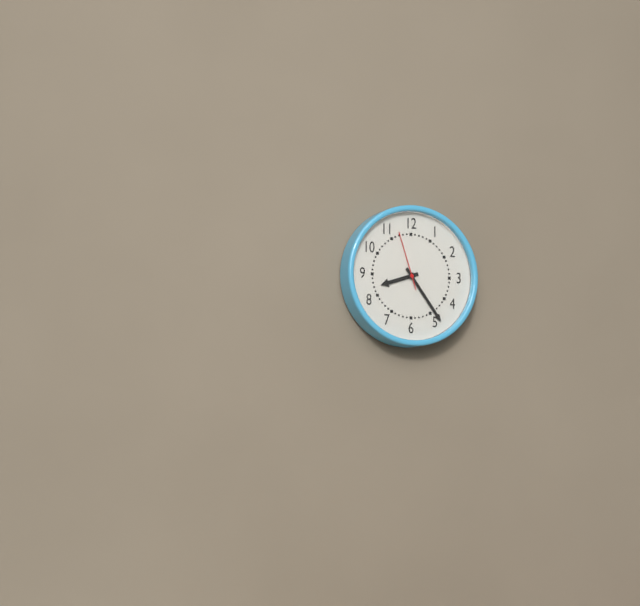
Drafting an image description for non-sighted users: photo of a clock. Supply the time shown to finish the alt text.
8:24:57
